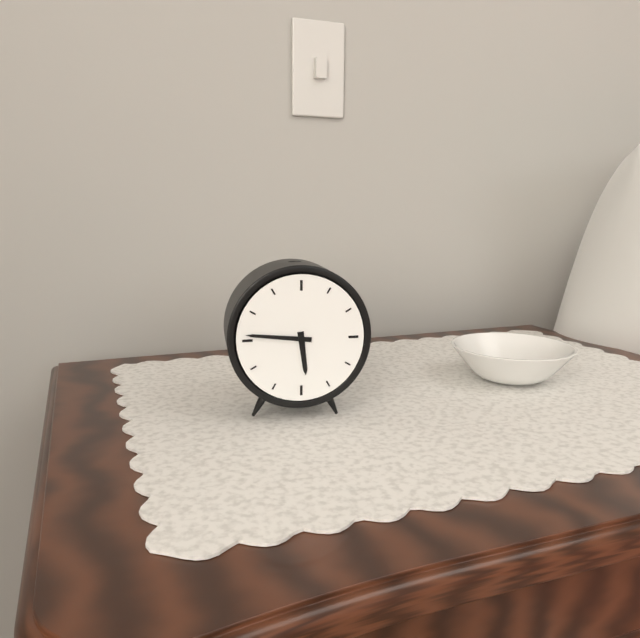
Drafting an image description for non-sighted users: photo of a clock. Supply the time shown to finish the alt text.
5:46
